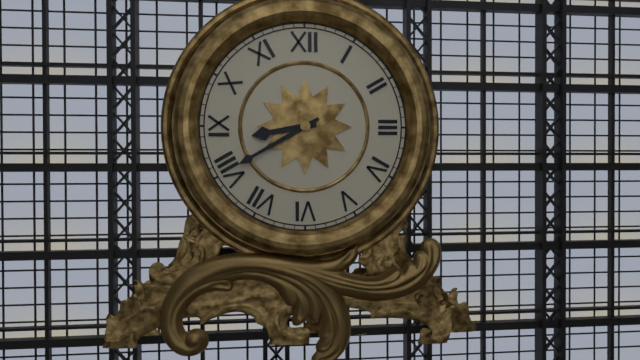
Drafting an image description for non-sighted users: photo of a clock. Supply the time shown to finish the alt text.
8:40
